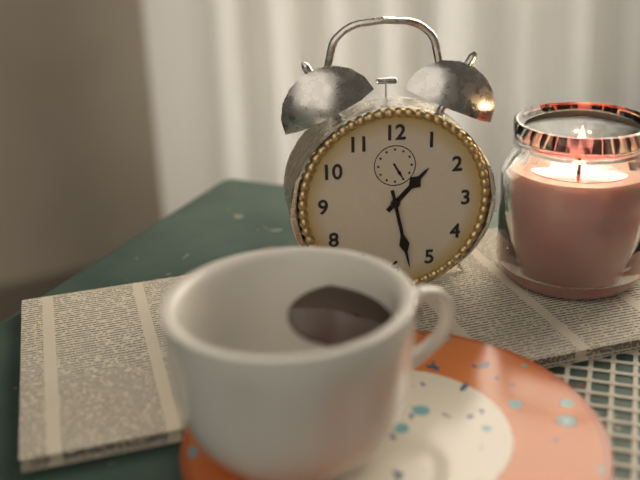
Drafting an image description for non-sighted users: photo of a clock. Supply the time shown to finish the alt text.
1:28
